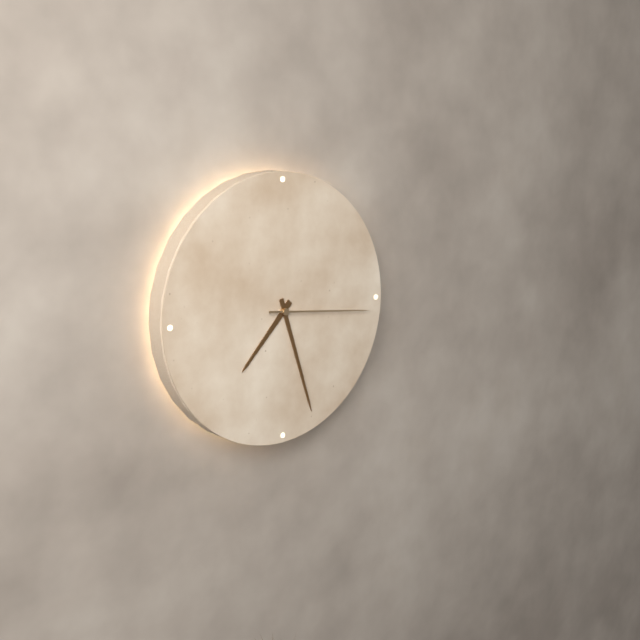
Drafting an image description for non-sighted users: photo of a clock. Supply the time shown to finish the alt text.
7:27:16
